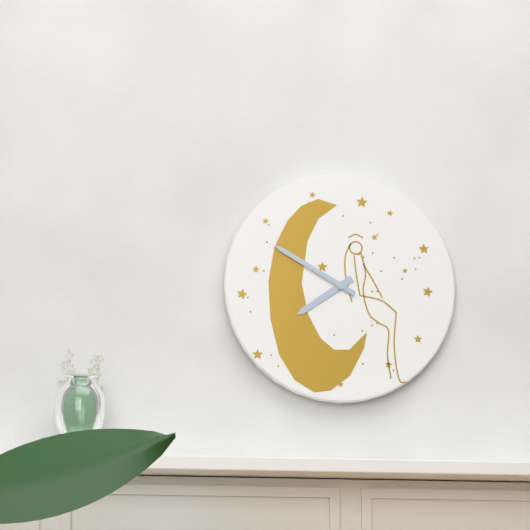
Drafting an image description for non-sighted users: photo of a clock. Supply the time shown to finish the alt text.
7:50
